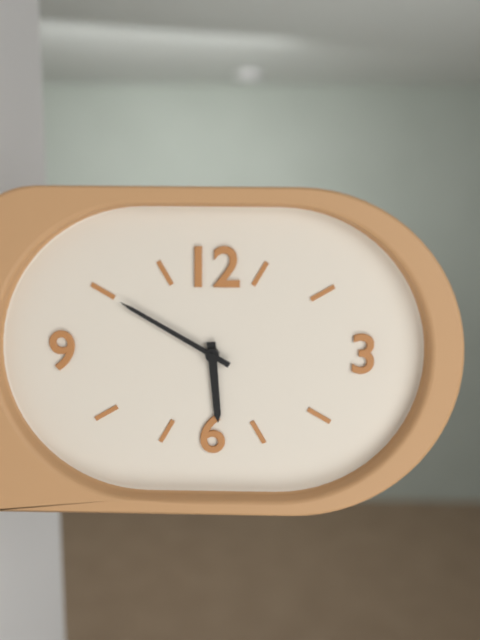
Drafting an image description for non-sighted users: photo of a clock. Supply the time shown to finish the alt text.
5:50
